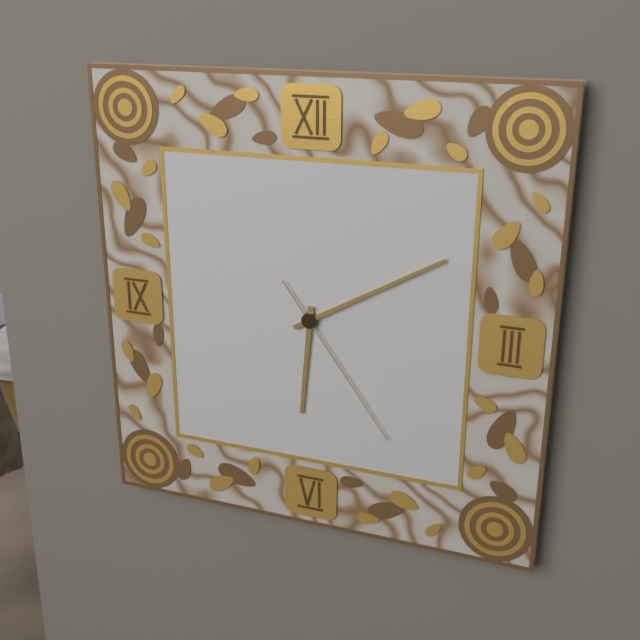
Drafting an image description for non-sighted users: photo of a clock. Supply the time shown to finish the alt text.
6:10:24
